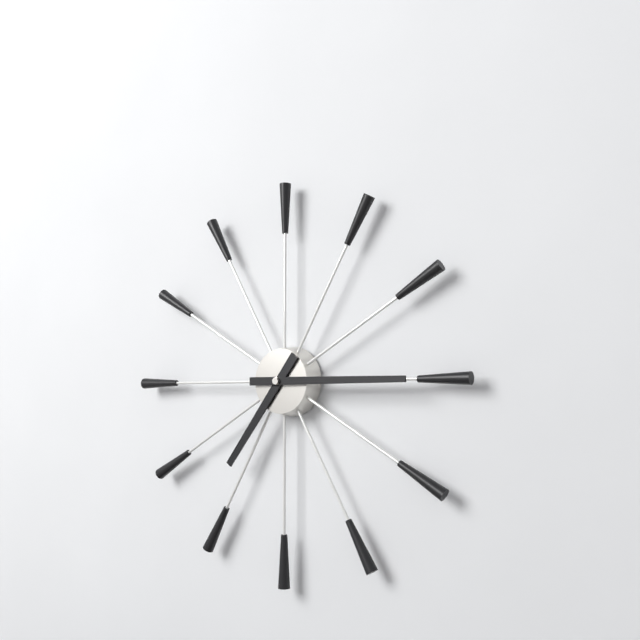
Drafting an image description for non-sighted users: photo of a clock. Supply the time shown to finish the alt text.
7:15
